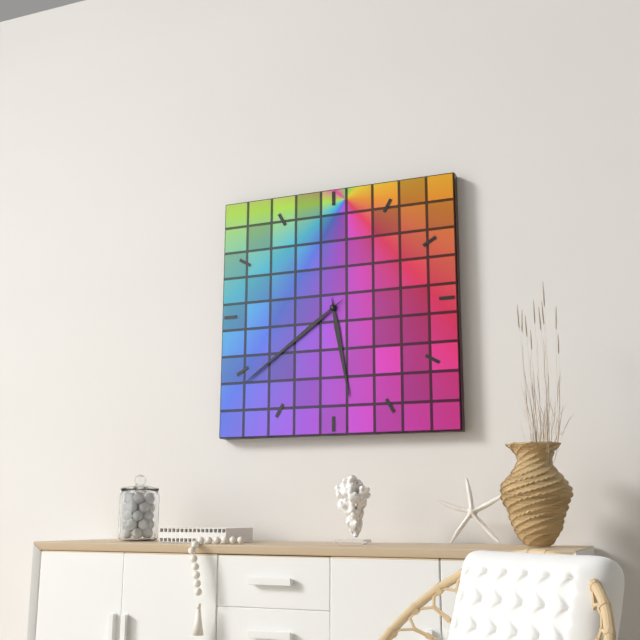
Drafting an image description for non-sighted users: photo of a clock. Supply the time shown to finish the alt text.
5:39
